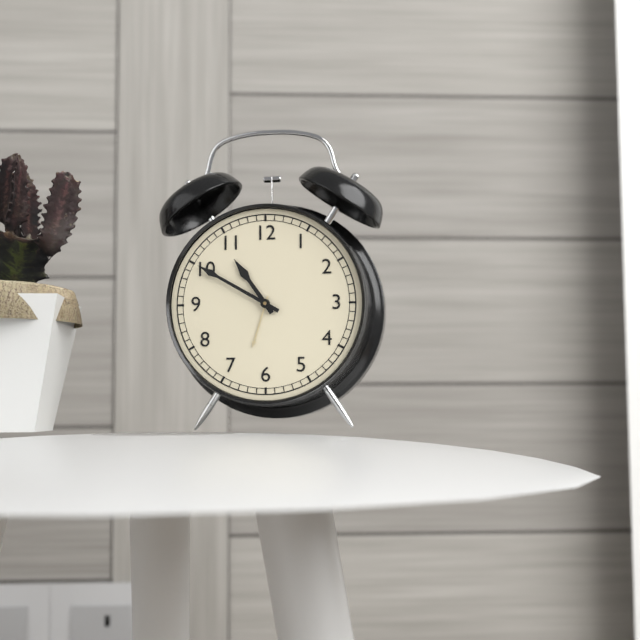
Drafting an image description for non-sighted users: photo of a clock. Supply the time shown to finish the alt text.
10:50
